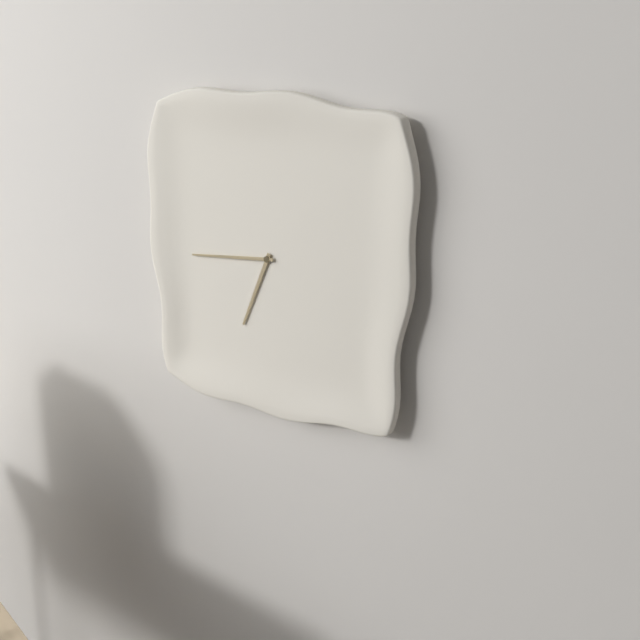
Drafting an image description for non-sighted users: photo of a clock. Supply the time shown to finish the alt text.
6:44
